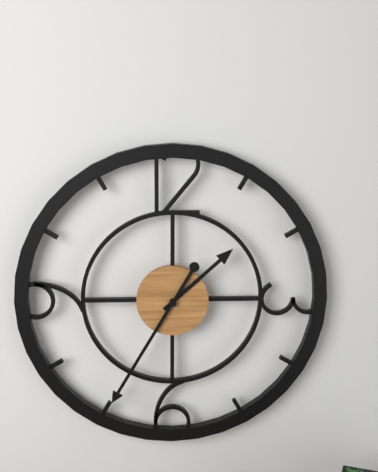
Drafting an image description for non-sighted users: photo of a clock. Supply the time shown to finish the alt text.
1:35
